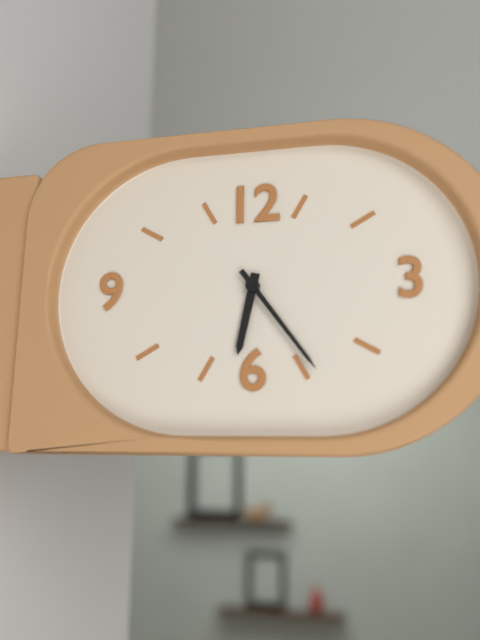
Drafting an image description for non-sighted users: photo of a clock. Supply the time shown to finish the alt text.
6:24
